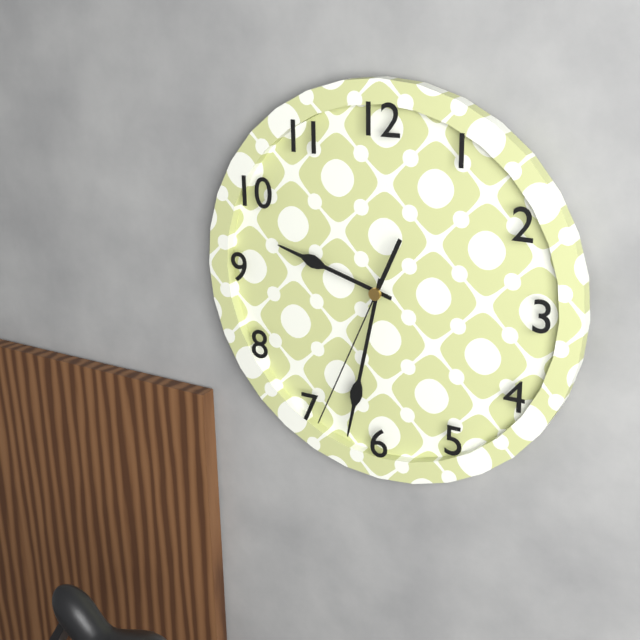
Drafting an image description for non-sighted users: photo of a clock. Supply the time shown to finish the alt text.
9:32:34
